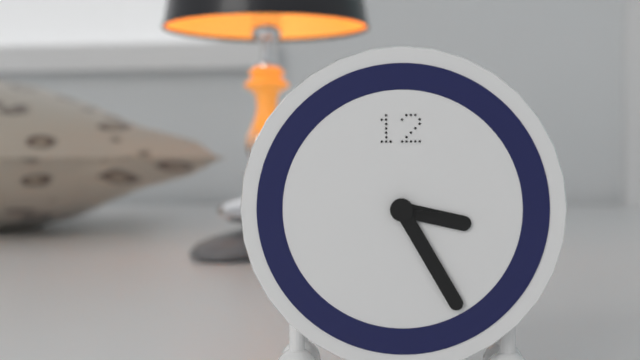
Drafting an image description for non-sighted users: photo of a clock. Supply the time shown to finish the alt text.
3:25:16
